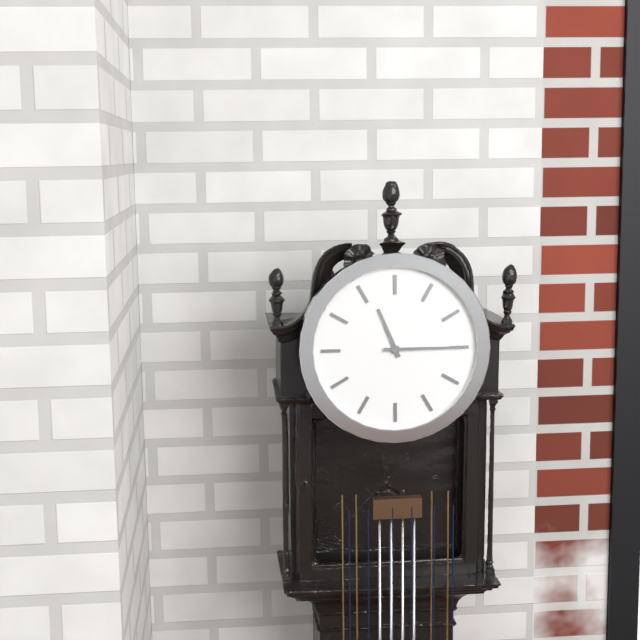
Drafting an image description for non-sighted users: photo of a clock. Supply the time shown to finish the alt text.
11:15
